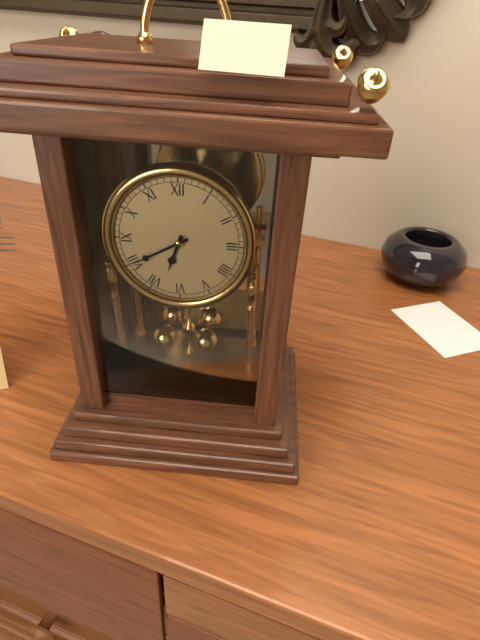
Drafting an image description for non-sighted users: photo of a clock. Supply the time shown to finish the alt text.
6:40
